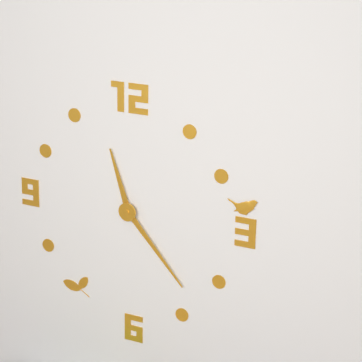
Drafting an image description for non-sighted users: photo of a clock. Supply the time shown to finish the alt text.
11:23
